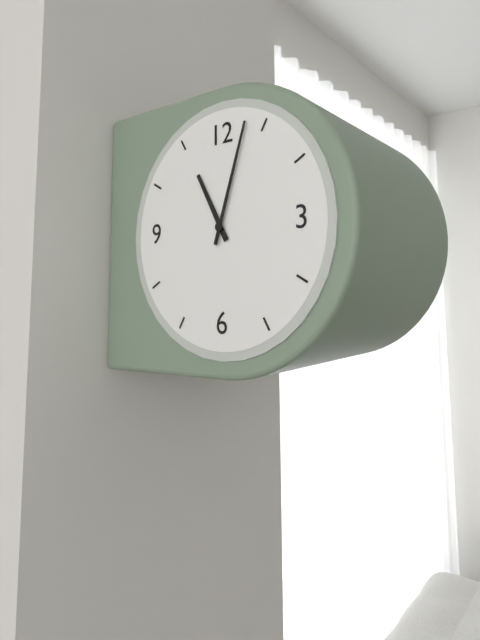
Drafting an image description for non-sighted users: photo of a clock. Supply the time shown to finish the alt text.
11:03
